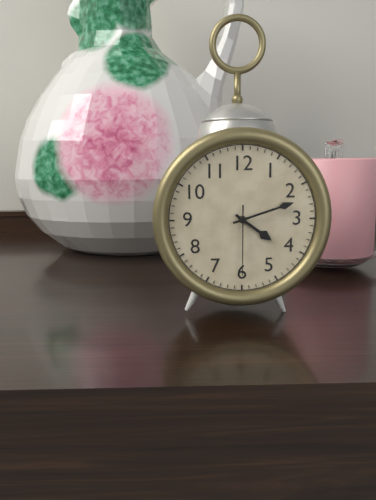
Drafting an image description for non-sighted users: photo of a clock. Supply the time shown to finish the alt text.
4:12:30
